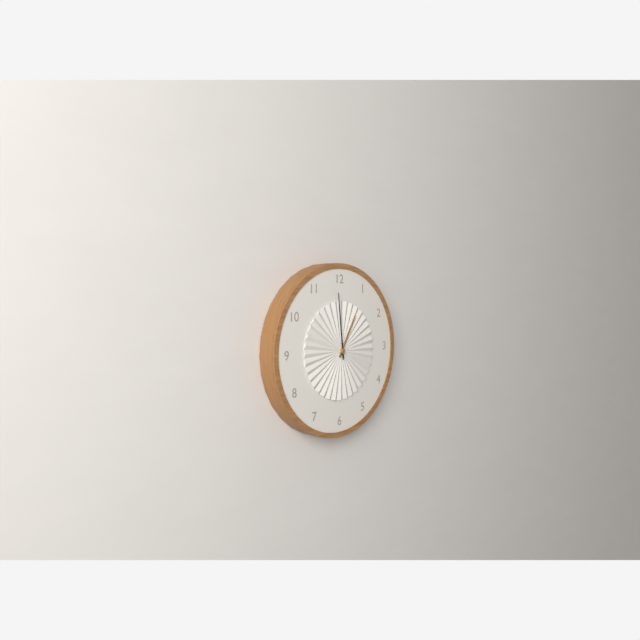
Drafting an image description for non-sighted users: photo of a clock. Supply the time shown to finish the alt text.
12:59
